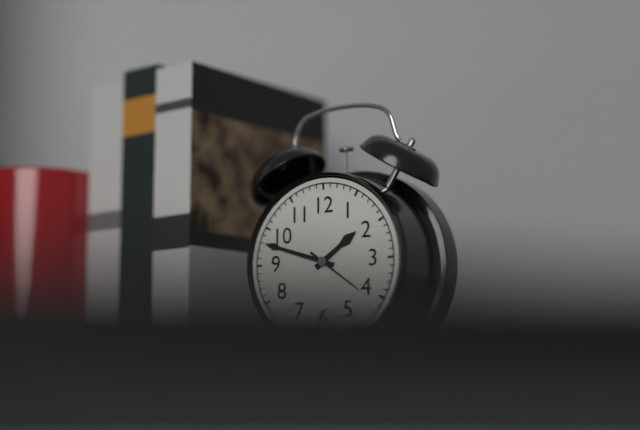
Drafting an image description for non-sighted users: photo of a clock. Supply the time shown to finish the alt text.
1:48
